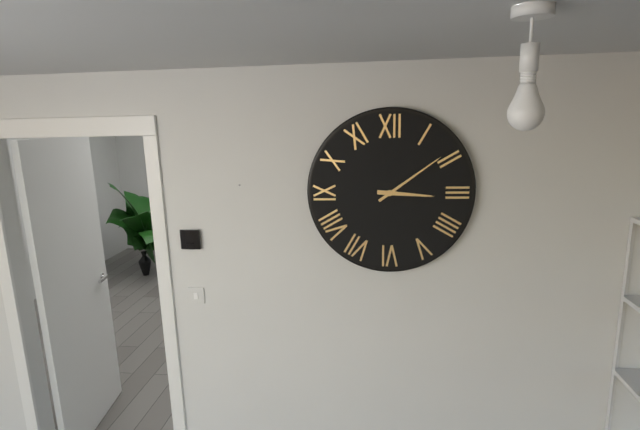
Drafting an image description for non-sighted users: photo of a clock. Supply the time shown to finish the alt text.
3:09
